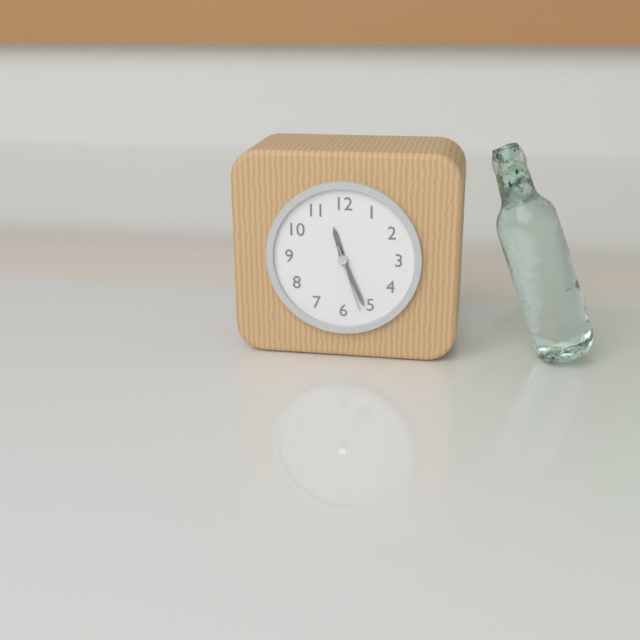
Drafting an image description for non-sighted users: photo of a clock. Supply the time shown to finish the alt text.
11:26:27
